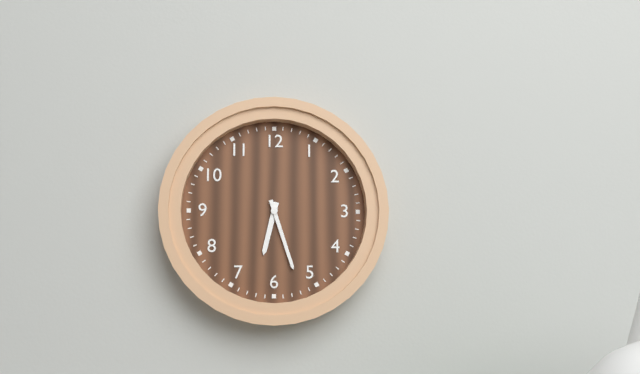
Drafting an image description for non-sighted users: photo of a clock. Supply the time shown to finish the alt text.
6:27
